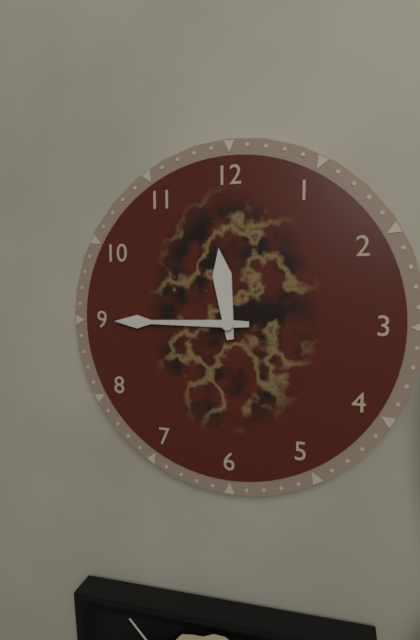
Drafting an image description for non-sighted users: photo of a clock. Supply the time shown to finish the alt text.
11:45
